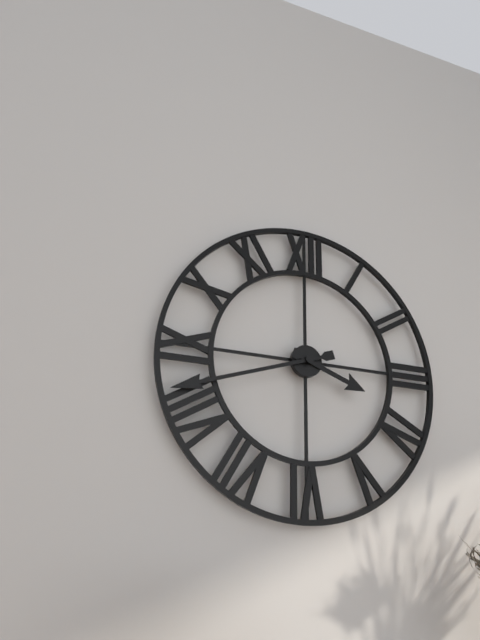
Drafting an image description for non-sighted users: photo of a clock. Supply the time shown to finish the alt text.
3:42
